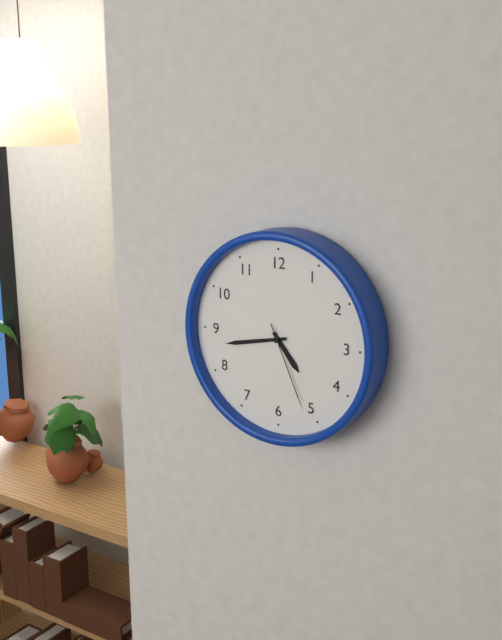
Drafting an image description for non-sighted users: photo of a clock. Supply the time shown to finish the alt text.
4:43:26
